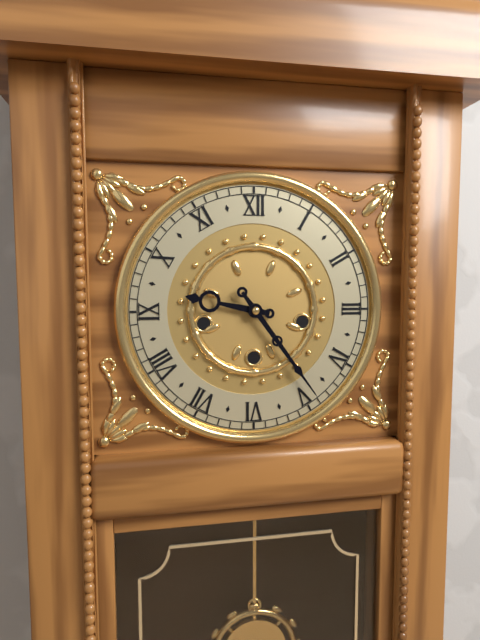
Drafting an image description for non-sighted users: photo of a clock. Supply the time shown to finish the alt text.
9:24
